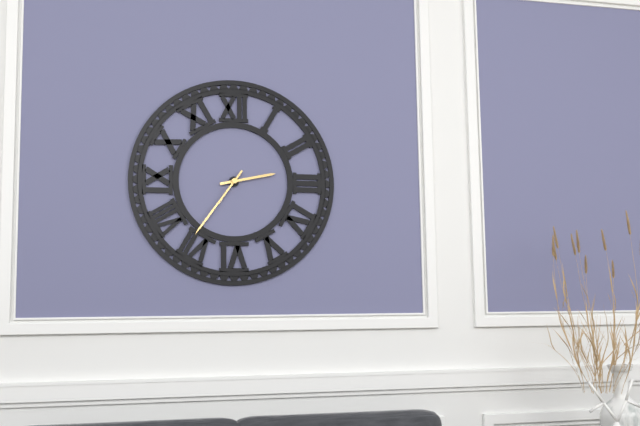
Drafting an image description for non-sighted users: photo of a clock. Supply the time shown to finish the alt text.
2:36
